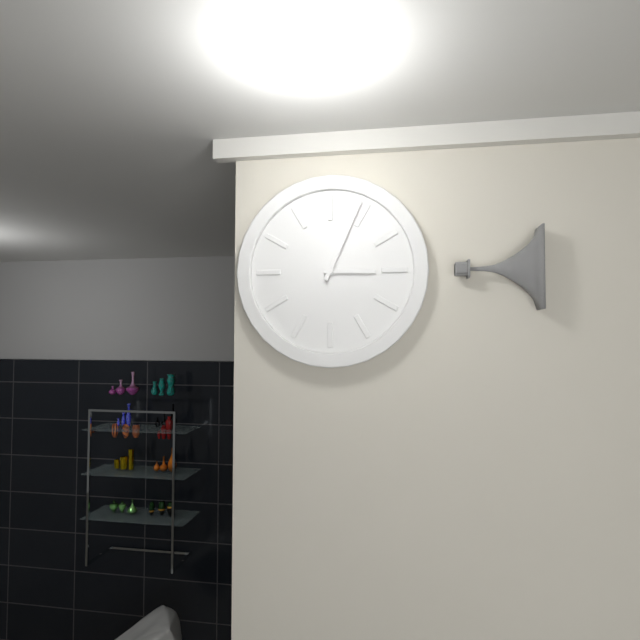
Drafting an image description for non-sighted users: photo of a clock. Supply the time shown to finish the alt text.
3:04
